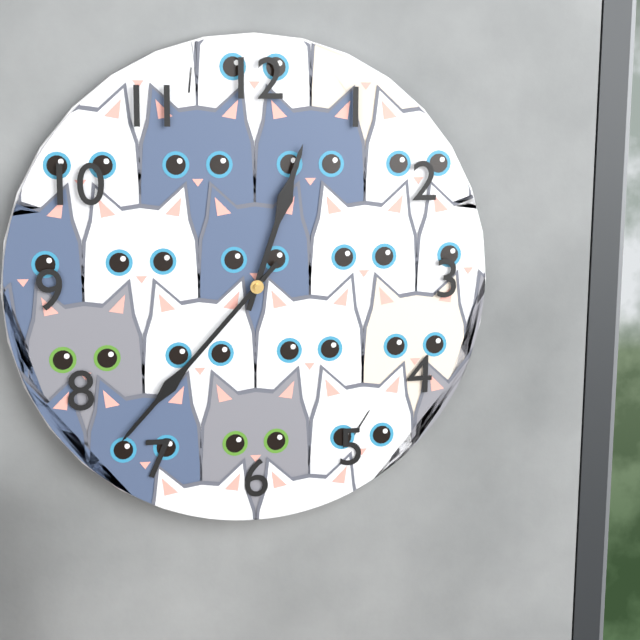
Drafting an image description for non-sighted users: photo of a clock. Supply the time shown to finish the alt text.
12:37
